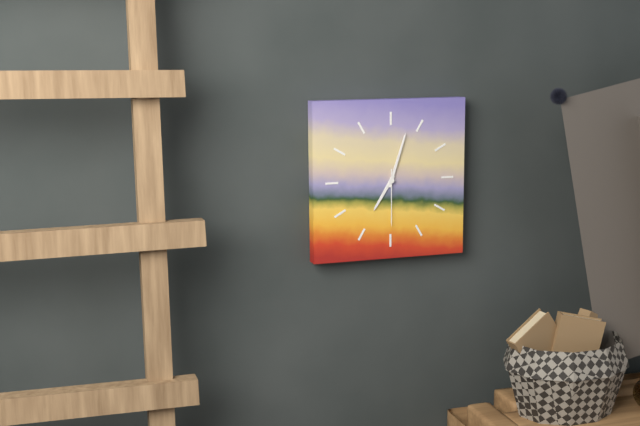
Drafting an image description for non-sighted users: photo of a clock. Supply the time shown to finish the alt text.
7:03:30
